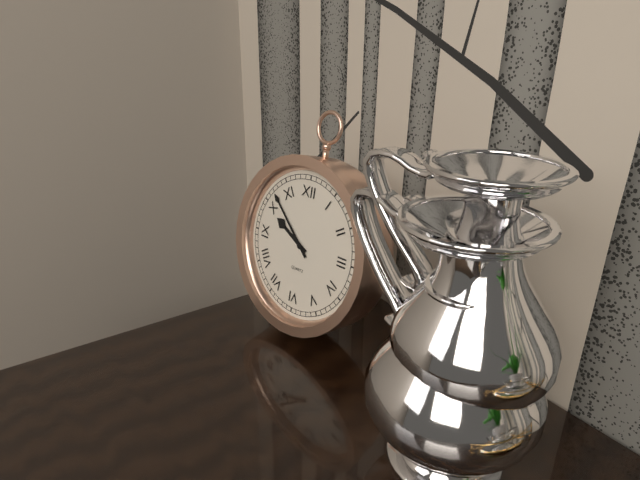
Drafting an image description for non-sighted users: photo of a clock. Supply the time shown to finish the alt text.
9:52
